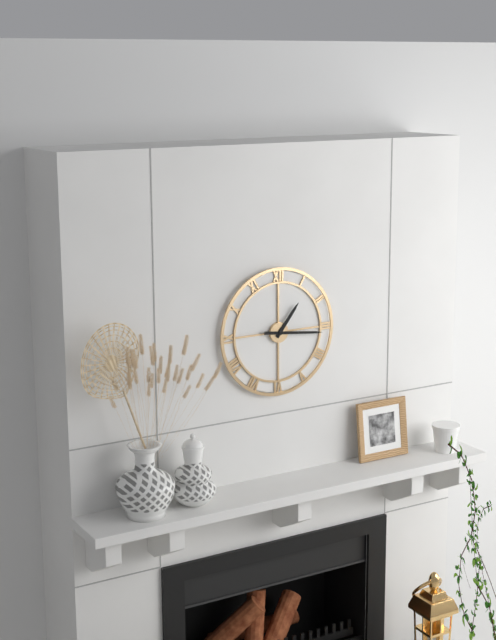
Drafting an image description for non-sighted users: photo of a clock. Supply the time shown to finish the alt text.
1:16
